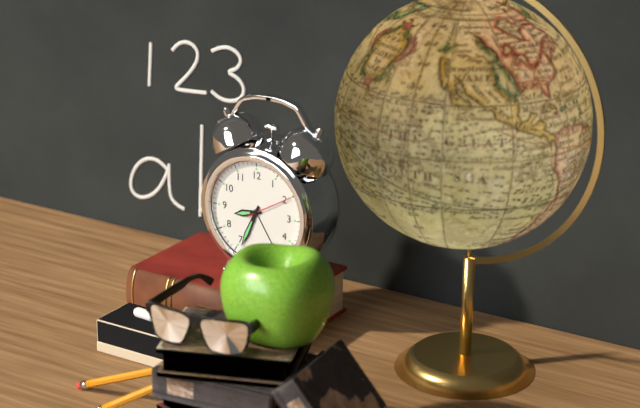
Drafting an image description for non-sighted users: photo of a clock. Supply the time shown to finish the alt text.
8:34
